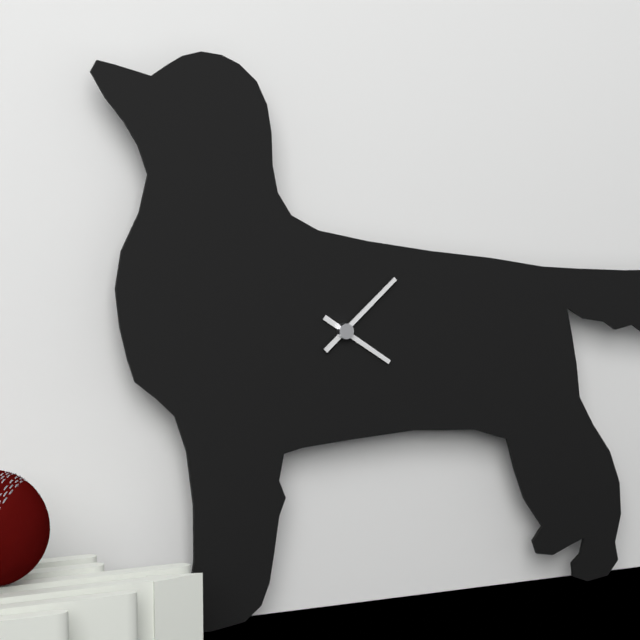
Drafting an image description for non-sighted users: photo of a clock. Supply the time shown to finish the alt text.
4:08
